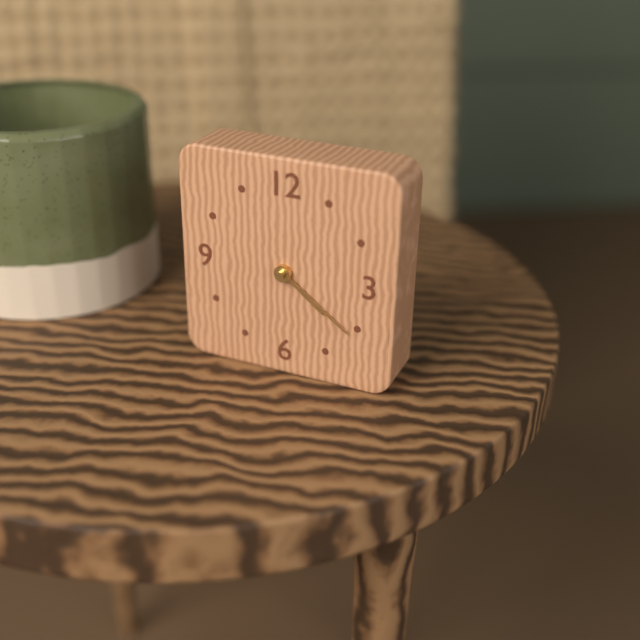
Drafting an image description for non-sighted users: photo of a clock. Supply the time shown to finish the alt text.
4:21
